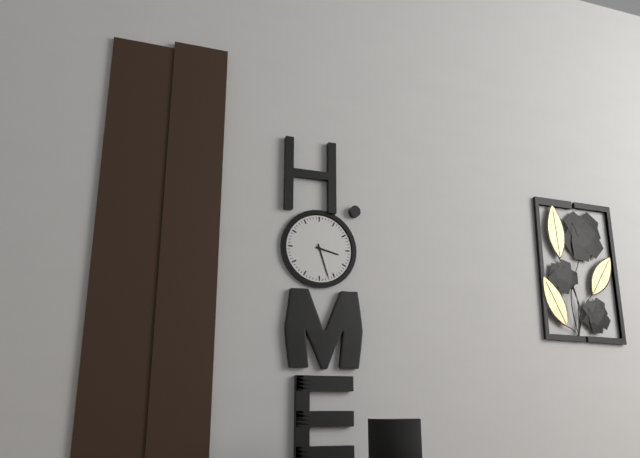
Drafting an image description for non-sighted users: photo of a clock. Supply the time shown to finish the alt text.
3:27
